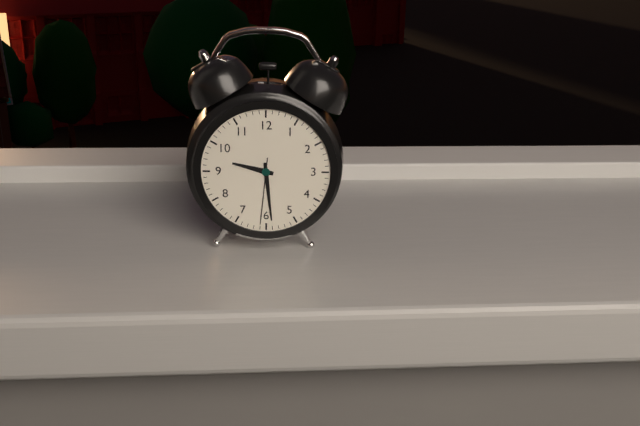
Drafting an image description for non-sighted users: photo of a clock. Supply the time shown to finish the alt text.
9:29:31
